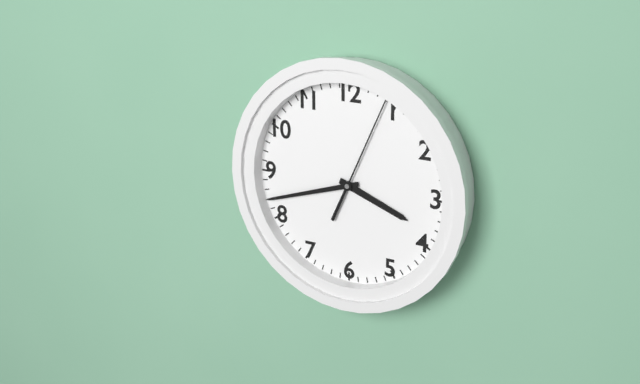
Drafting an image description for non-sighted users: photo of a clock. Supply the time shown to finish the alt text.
3:42:04
